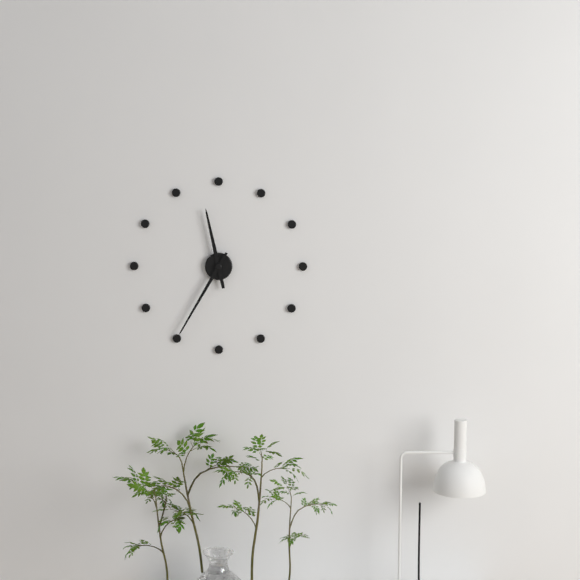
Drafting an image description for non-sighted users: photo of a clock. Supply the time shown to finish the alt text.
11:35
